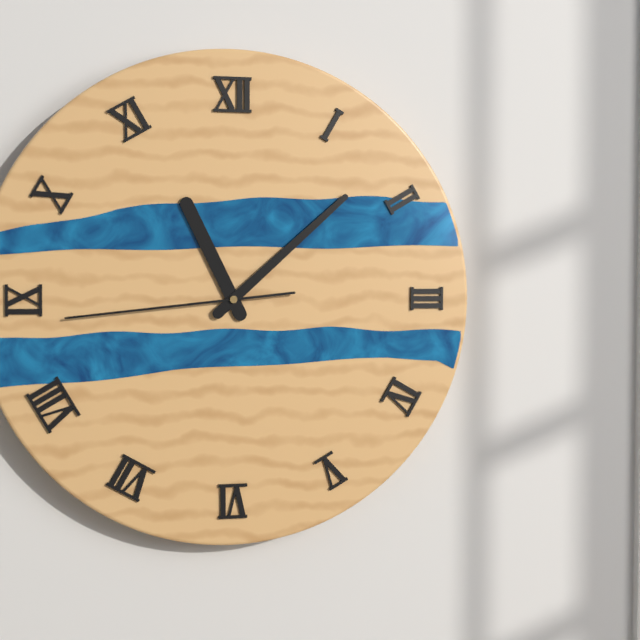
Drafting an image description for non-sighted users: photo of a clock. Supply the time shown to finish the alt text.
11:08:44
